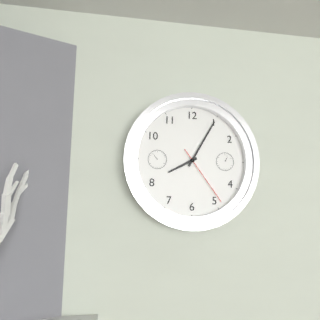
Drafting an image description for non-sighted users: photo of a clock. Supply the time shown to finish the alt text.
8:05:24
